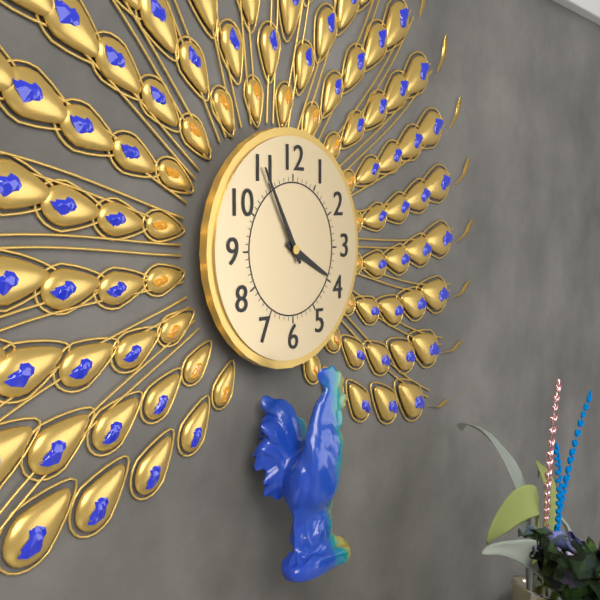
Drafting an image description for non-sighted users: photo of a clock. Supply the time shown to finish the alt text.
3:55
